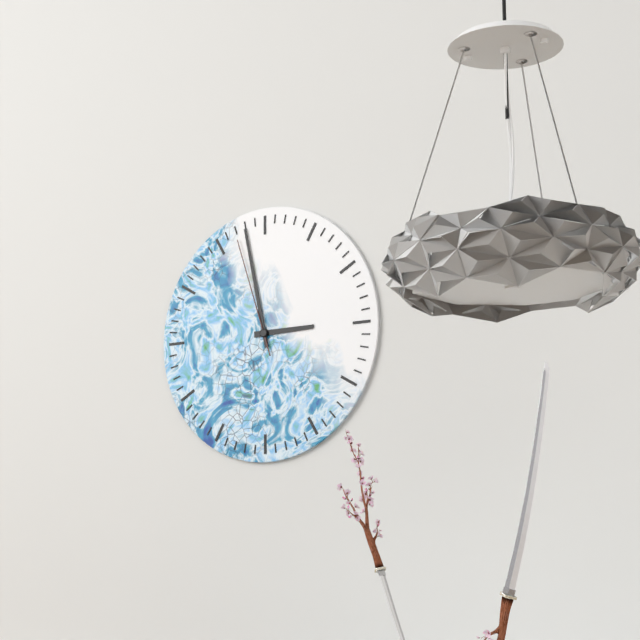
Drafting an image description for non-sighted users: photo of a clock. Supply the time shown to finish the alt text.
2:58:57
